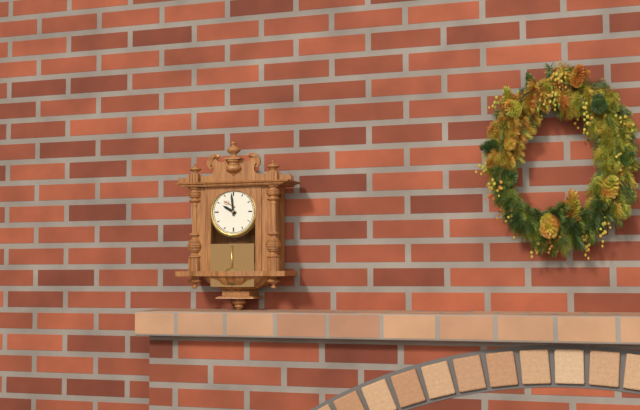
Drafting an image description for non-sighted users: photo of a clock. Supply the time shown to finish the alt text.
9:59
